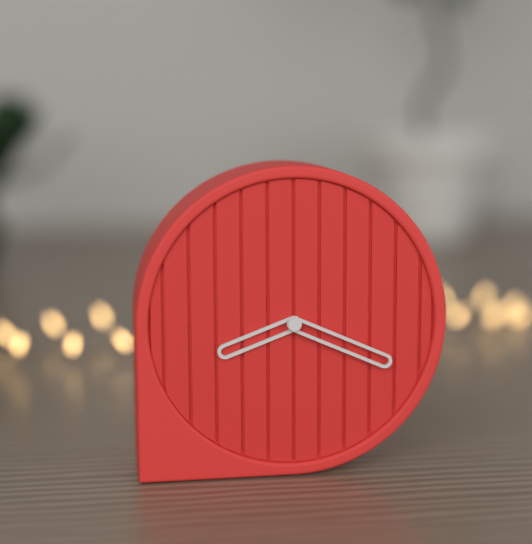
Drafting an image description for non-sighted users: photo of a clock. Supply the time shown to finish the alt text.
8:19
